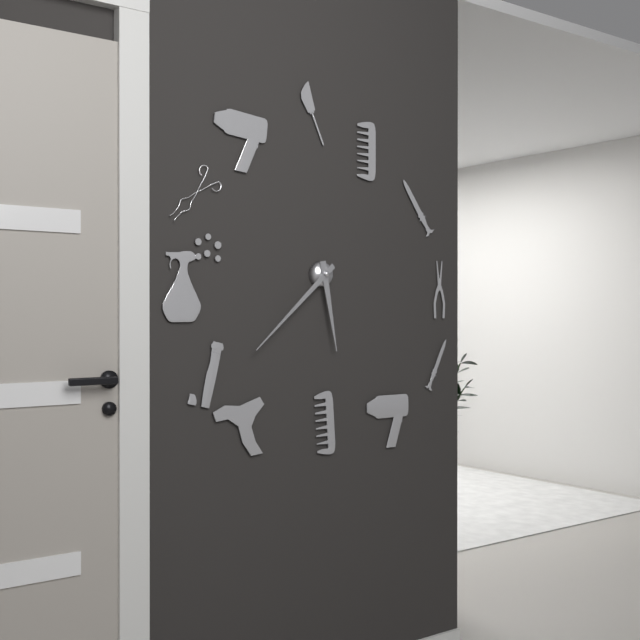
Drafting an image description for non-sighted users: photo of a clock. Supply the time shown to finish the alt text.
5:38
